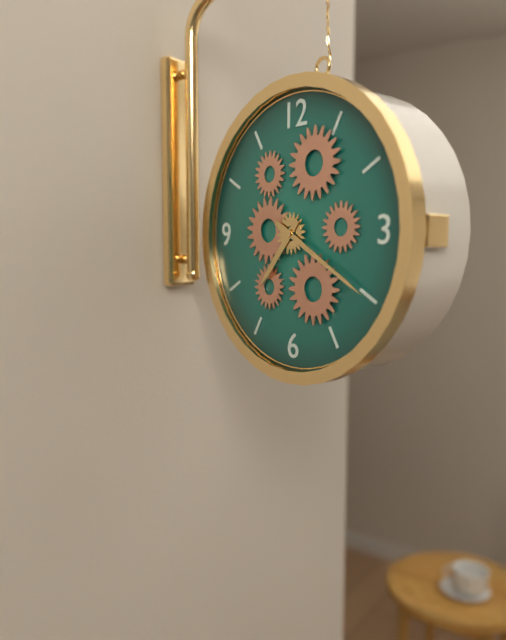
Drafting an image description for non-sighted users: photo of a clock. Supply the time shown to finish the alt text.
7:20
